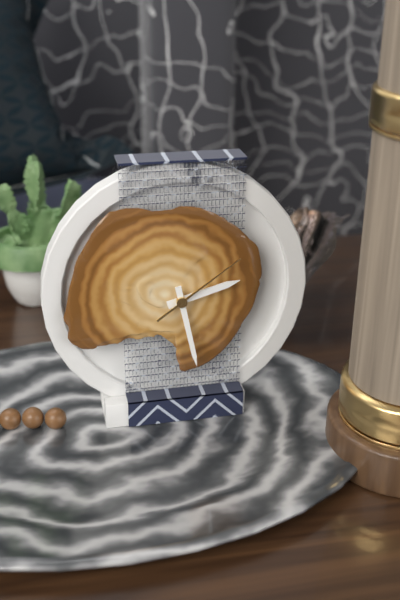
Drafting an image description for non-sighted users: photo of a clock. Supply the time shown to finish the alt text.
2:28:09
